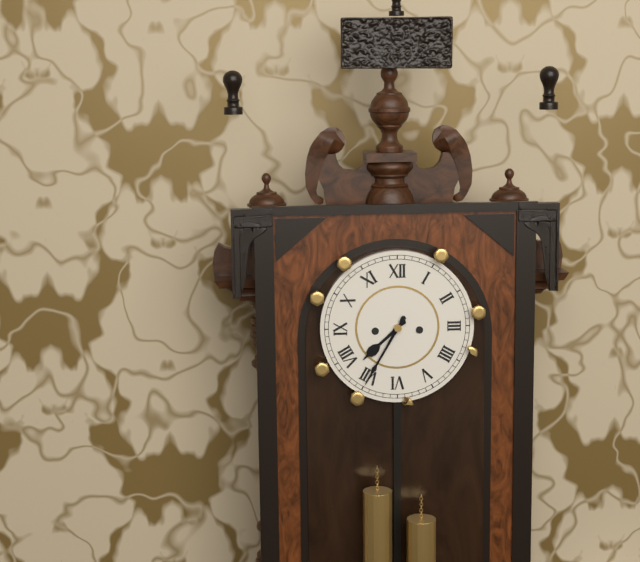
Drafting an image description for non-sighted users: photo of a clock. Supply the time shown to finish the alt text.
7:35
